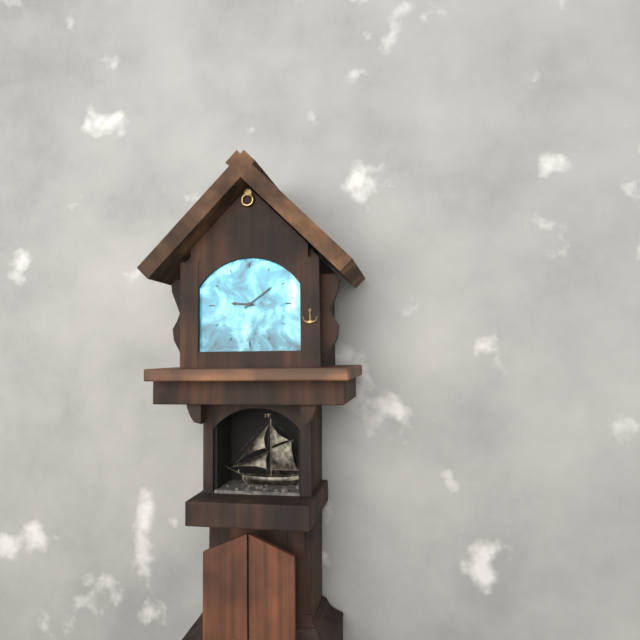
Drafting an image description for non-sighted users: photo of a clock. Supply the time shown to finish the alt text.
9:09
